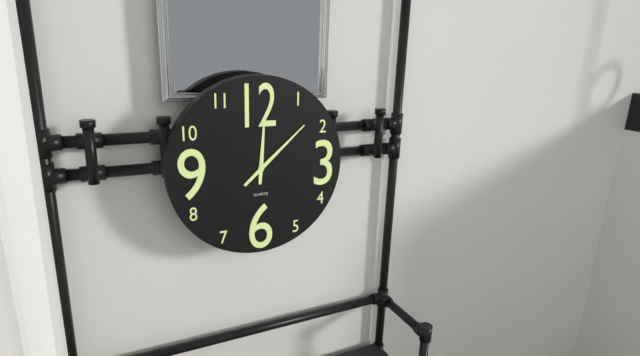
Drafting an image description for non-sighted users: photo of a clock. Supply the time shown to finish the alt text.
12:08
